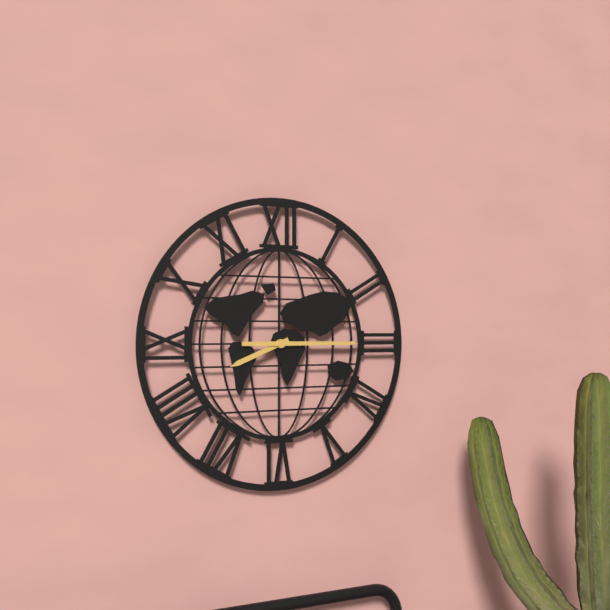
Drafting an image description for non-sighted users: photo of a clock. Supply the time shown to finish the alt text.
8:15
